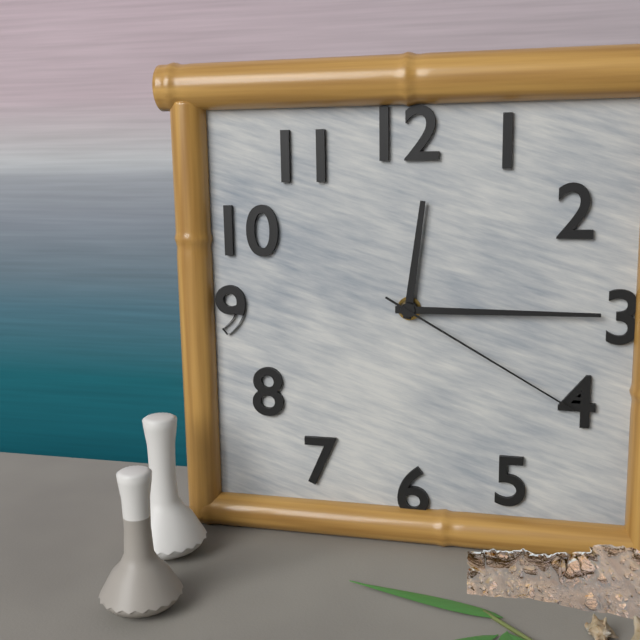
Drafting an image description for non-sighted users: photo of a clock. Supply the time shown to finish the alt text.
12:15:20
